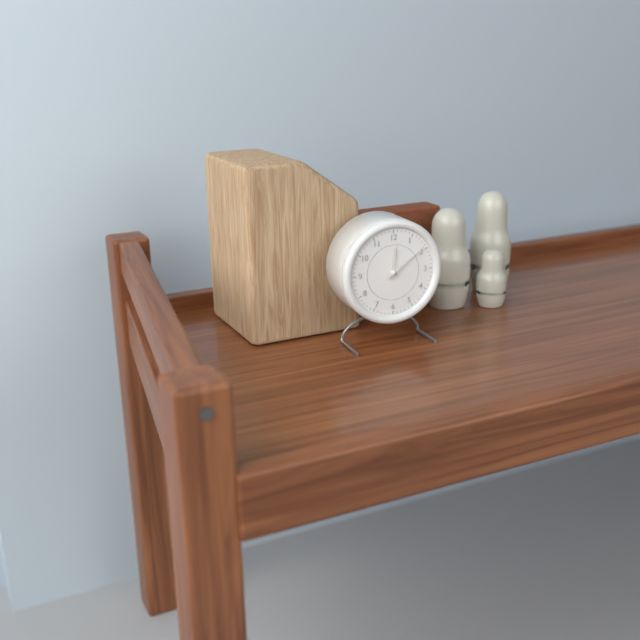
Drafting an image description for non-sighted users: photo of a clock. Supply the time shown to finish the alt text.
12:09
